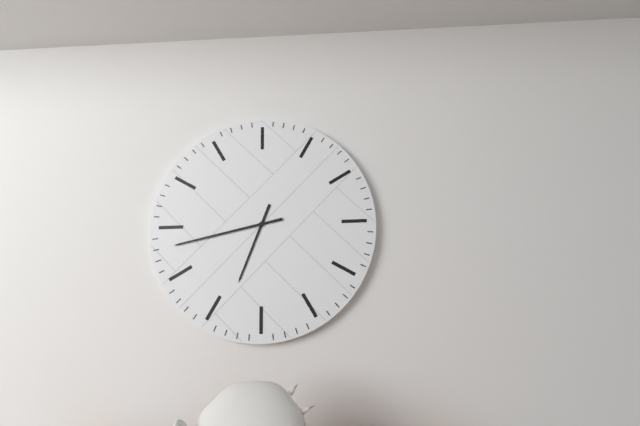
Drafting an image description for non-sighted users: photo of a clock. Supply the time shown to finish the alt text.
6:43
